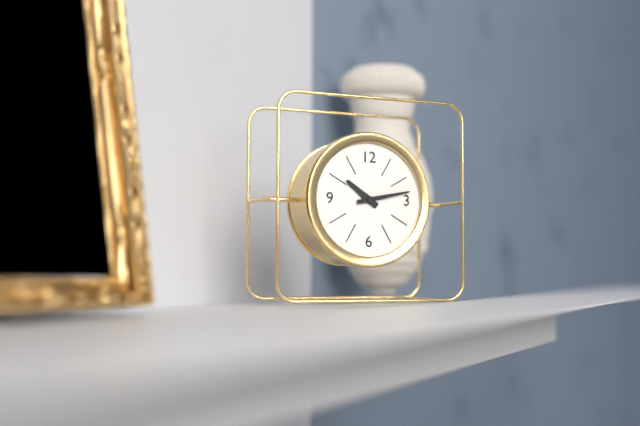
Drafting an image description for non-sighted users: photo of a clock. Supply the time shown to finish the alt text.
10:13
